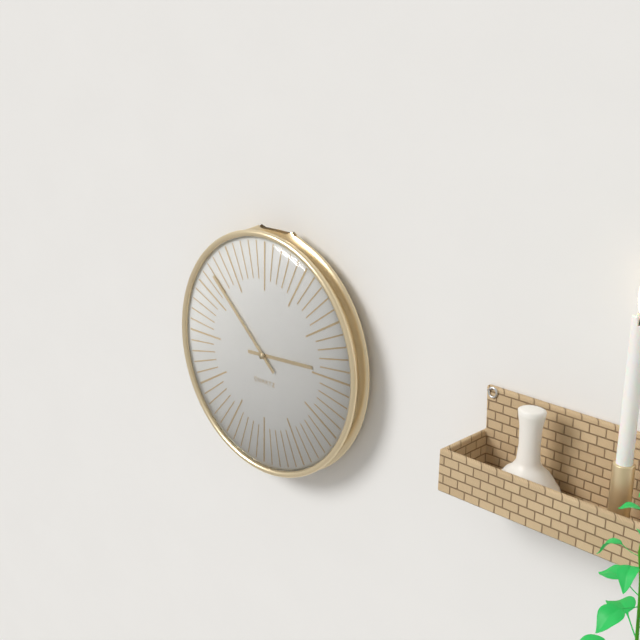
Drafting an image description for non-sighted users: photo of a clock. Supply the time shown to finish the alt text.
2:52
